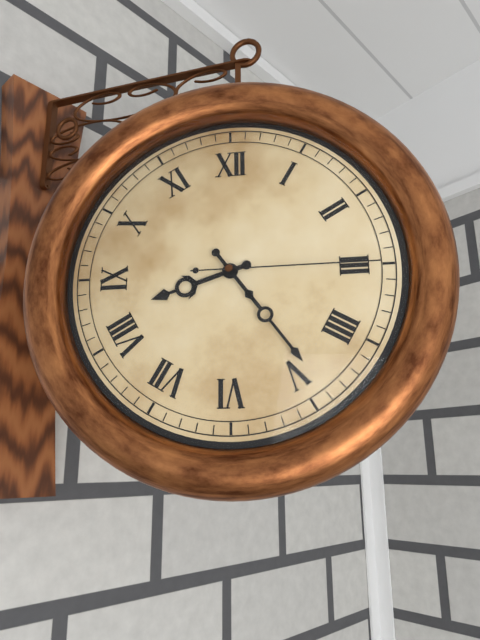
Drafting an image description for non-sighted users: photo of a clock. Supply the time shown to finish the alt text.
8:24:15
